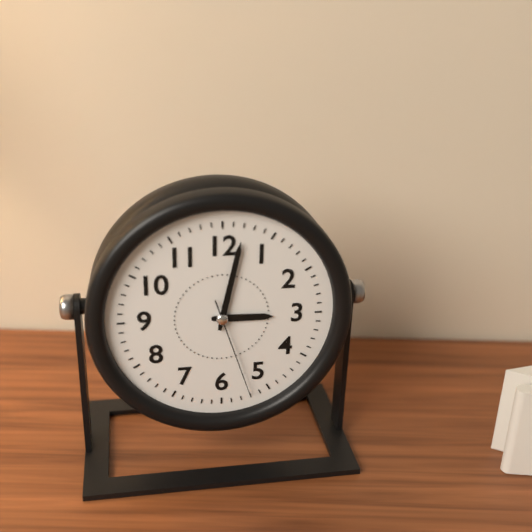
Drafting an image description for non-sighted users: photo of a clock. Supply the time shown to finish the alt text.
3:02:27
